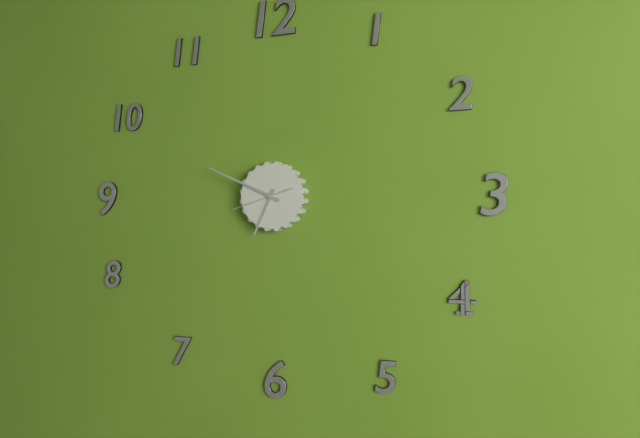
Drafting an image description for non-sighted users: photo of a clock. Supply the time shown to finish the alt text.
6:49:42
